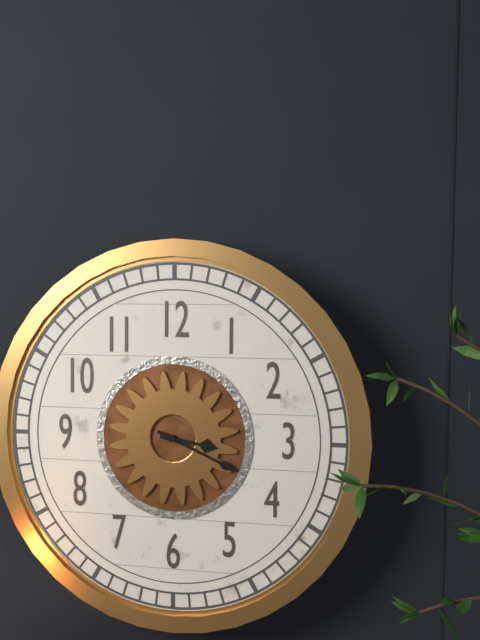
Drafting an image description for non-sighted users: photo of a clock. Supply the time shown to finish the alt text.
3:19
